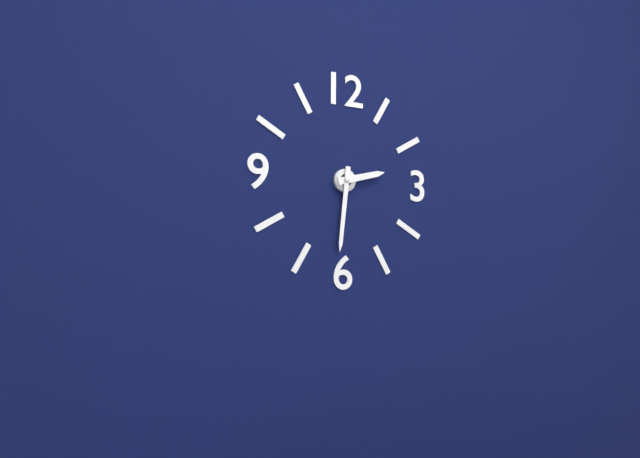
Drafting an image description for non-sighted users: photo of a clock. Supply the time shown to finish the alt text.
2:31
